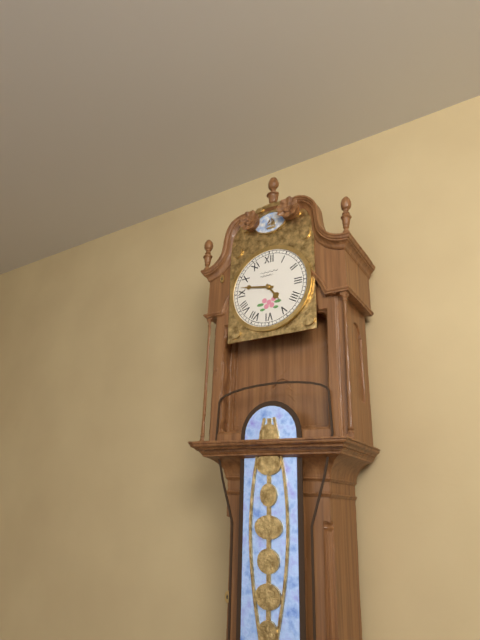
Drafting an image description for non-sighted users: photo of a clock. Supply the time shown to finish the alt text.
4:47
